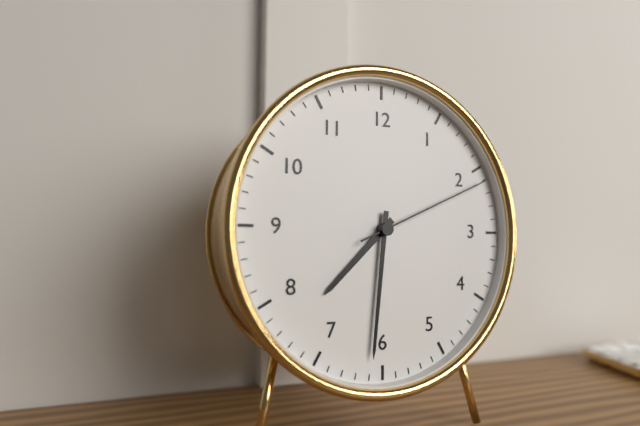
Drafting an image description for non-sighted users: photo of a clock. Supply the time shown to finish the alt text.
7:31:11
